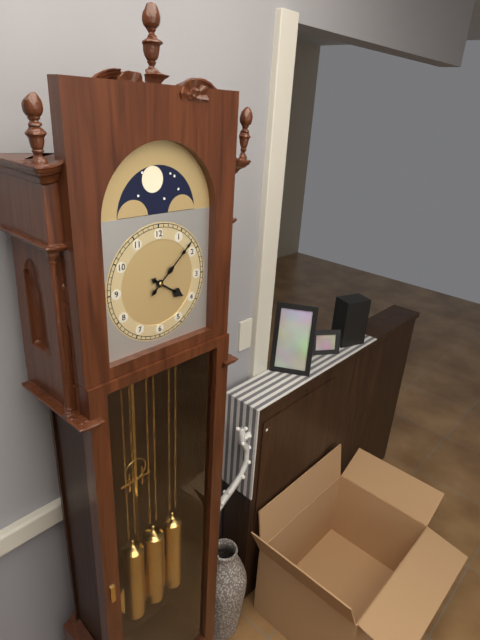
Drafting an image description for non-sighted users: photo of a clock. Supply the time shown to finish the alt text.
4:08
